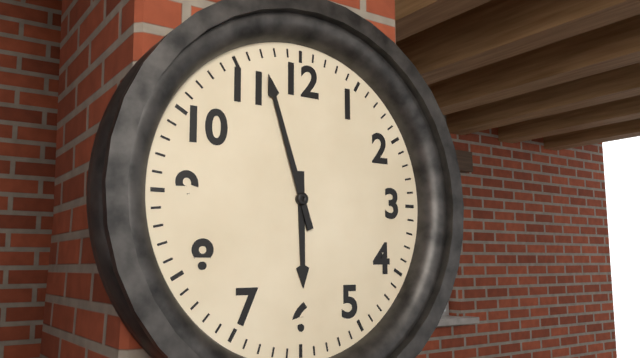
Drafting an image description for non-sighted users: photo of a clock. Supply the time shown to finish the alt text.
5:57
